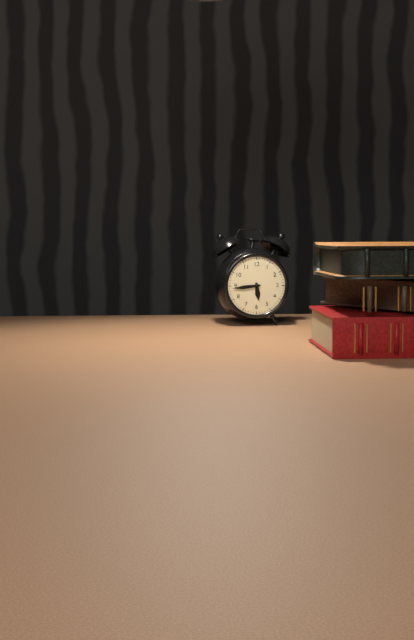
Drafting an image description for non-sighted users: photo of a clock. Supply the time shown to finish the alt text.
5:44
